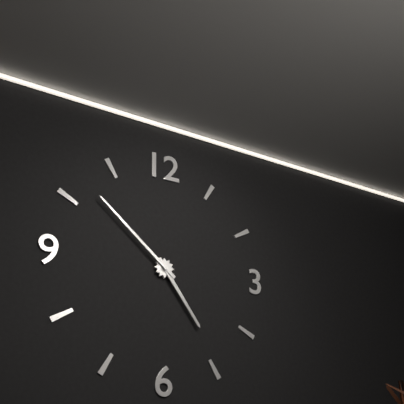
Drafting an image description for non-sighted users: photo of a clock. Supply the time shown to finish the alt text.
4:52
